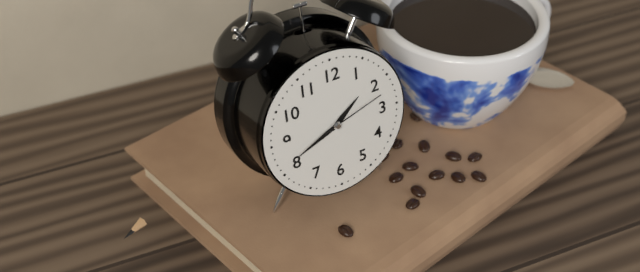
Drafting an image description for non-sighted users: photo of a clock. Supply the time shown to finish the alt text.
1:41:12
